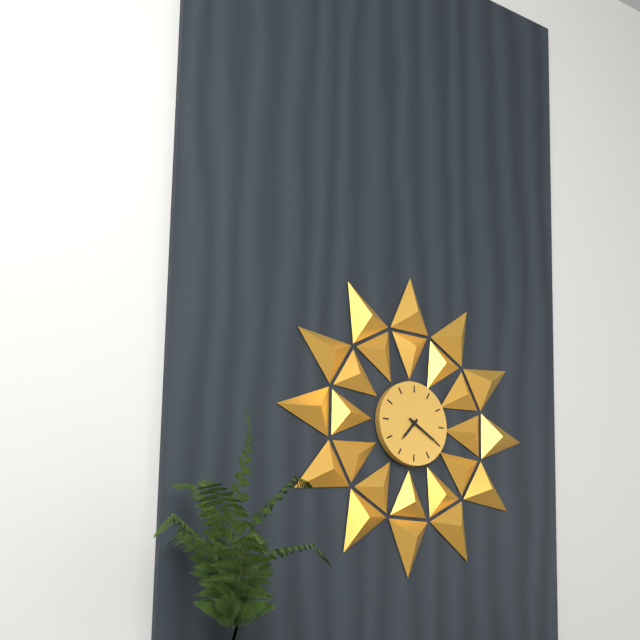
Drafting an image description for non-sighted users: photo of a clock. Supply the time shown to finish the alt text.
7:20
